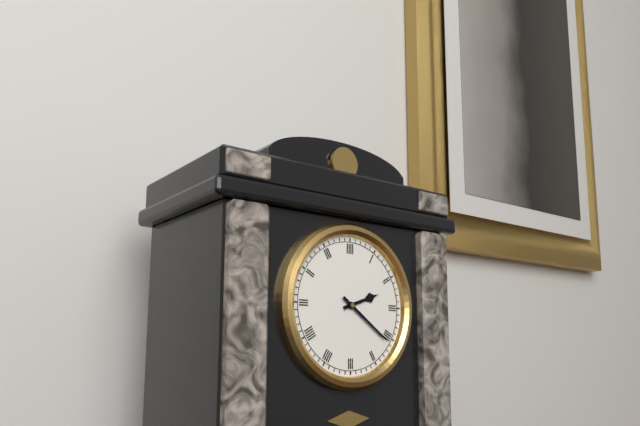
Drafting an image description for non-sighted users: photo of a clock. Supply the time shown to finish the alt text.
2:21
